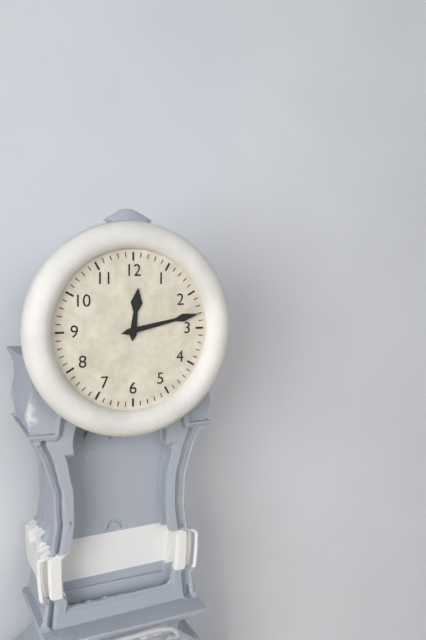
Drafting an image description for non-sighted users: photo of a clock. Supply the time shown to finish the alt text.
12:13
